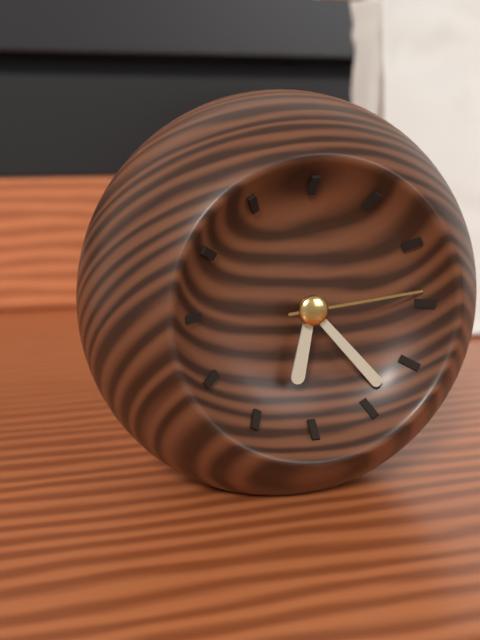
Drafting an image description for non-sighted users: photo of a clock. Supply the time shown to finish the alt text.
6:23:14
